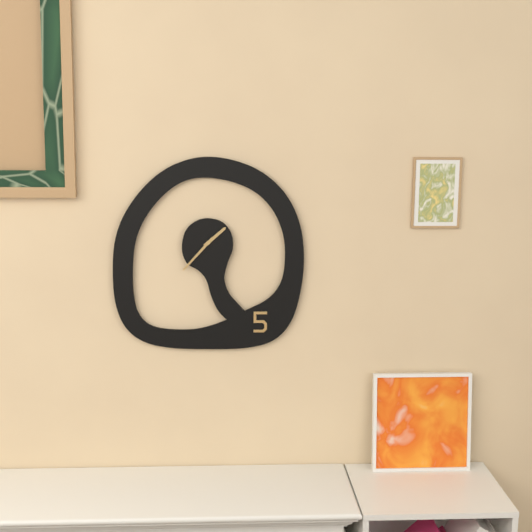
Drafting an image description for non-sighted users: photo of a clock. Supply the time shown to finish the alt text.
1:37
